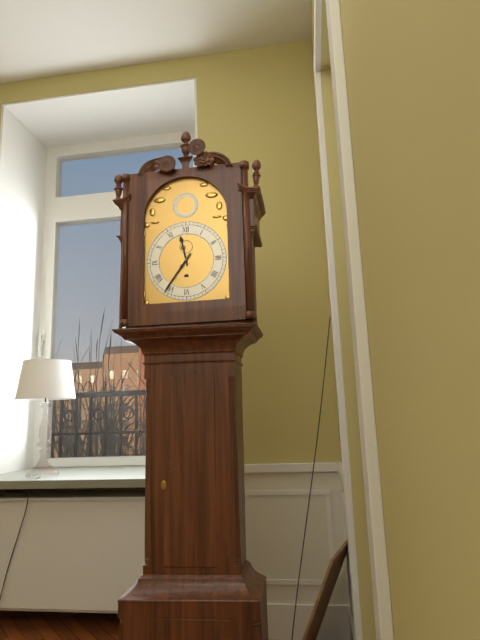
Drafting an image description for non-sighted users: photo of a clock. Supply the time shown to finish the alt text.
11:36
